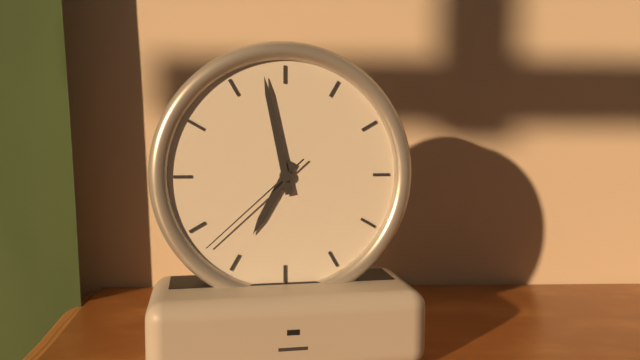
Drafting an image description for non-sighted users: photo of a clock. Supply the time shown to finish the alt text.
6:58:38
